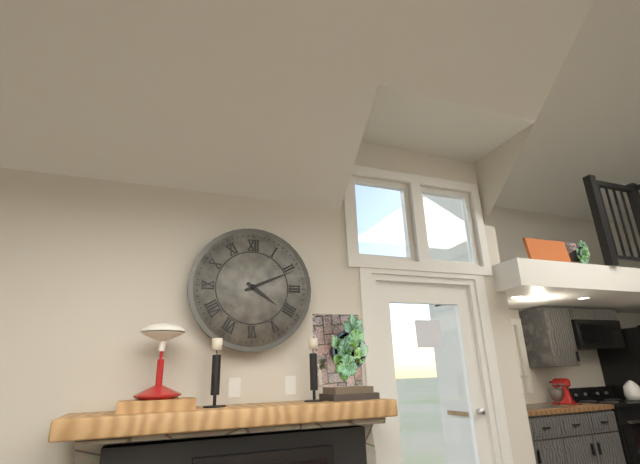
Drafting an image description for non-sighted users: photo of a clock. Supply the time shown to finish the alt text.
4:11
